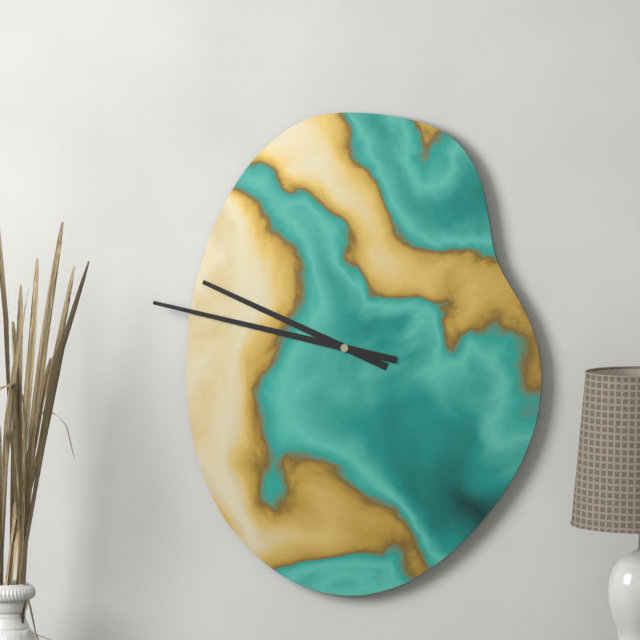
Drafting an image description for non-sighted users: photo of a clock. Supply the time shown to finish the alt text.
9:47
